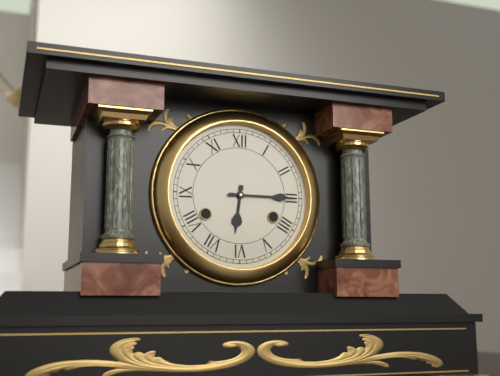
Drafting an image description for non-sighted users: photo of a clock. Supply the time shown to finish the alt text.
6:15
